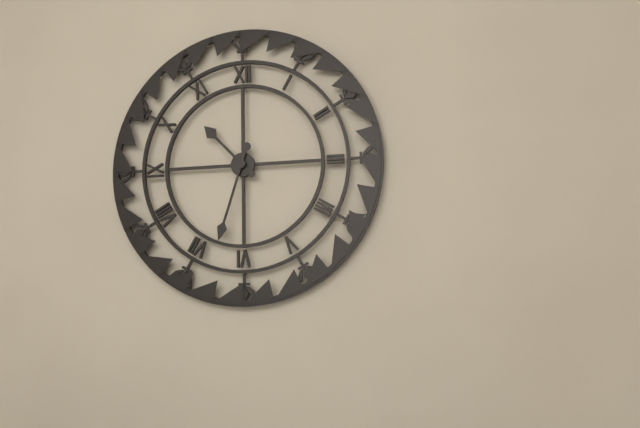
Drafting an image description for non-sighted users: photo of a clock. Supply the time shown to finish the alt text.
10:33
